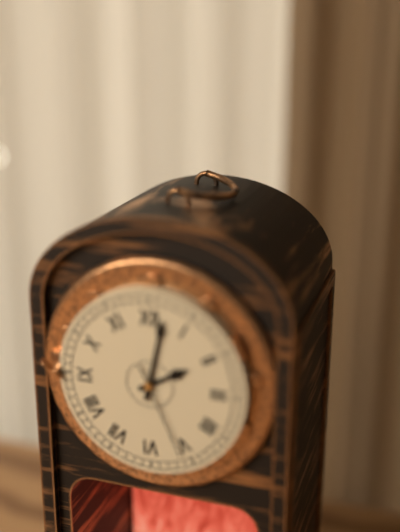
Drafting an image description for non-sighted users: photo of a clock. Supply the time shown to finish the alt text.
2:02:26
